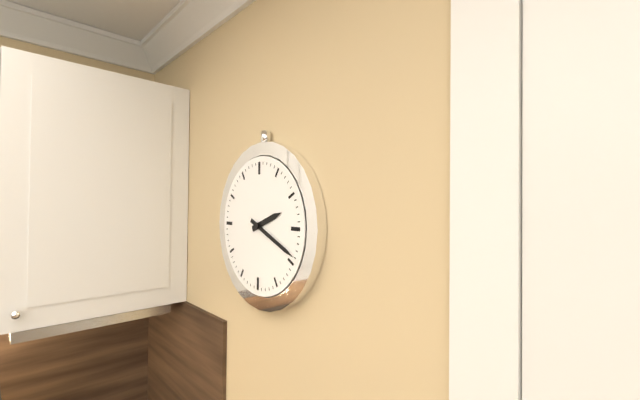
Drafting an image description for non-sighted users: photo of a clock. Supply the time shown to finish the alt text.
2:19
